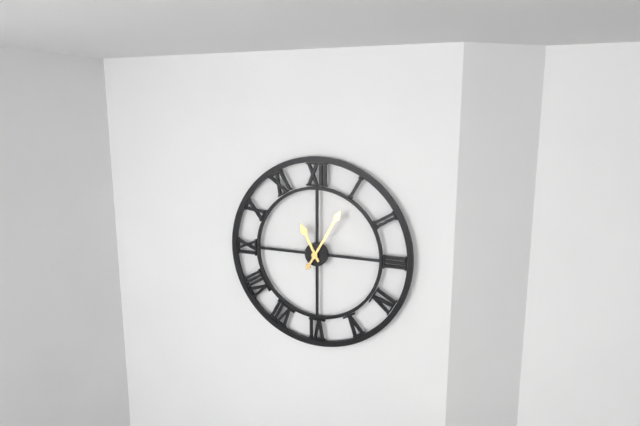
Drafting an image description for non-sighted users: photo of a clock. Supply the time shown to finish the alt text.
11:05
